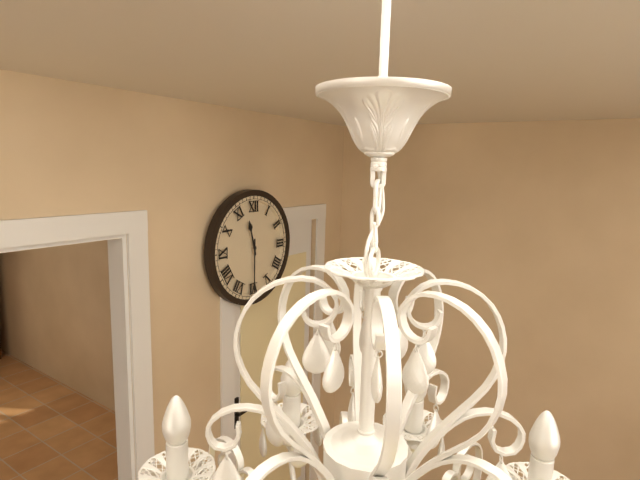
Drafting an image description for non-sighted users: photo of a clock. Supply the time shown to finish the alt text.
11:30
